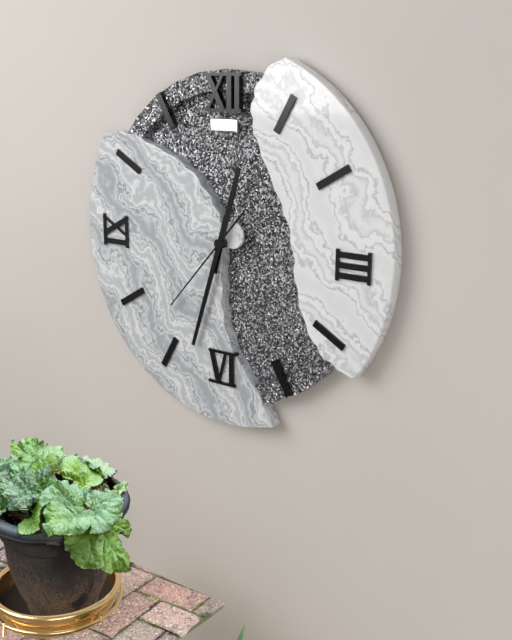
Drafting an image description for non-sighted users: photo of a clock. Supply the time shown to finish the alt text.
12:33:37
